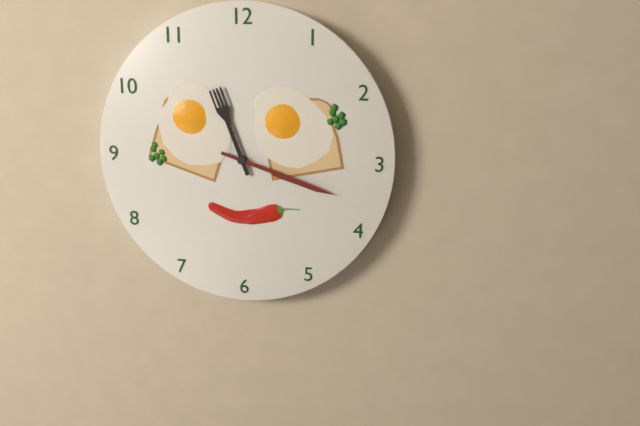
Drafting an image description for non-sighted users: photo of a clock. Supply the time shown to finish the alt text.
11:18
